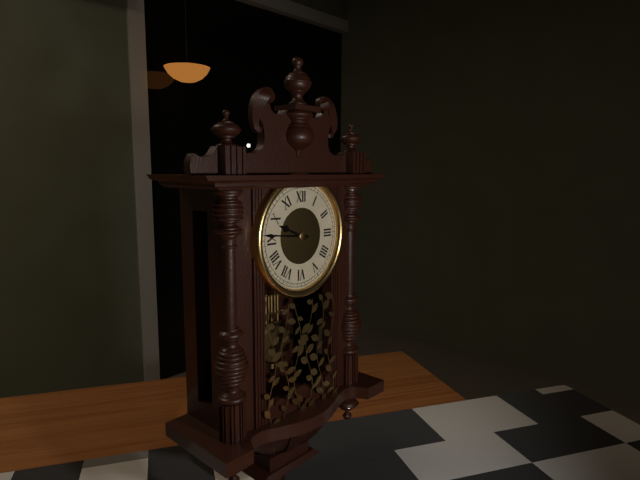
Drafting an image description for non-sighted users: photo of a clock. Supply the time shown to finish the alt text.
9:46
